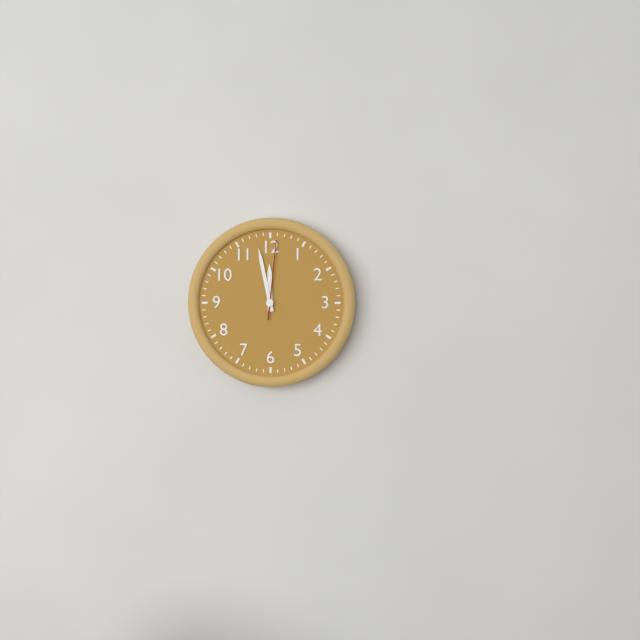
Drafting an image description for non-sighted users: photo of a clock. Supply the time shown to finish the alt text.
11:58:01
